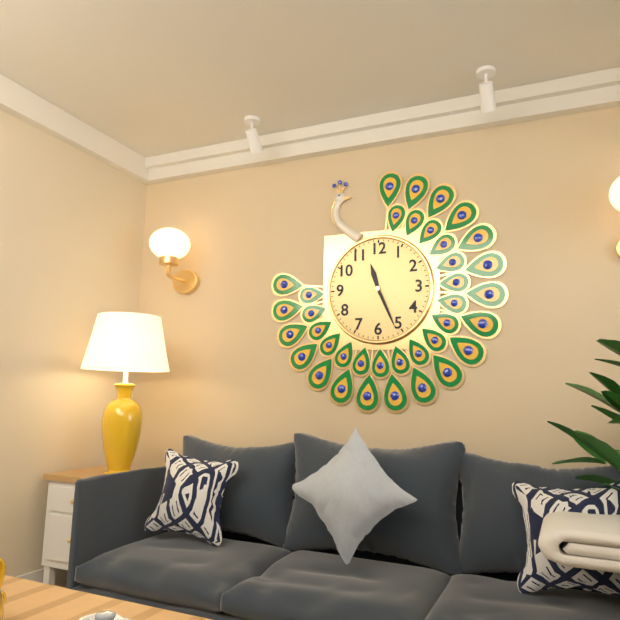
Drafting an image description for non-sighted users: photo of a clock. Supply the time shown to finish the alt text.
11:26
